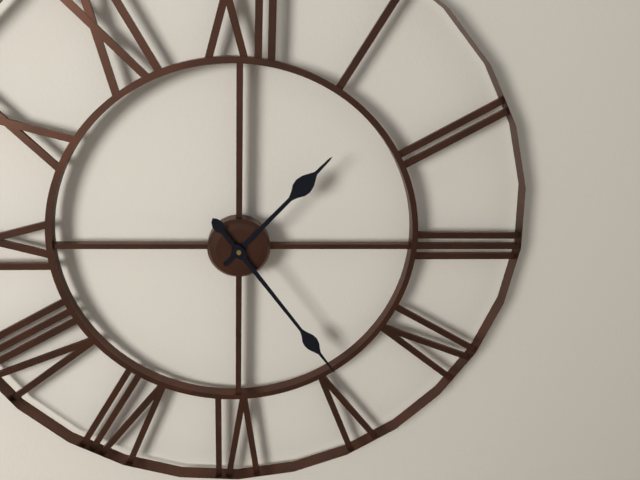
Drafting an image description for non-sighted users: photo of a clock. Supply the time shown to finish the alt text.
1:24
